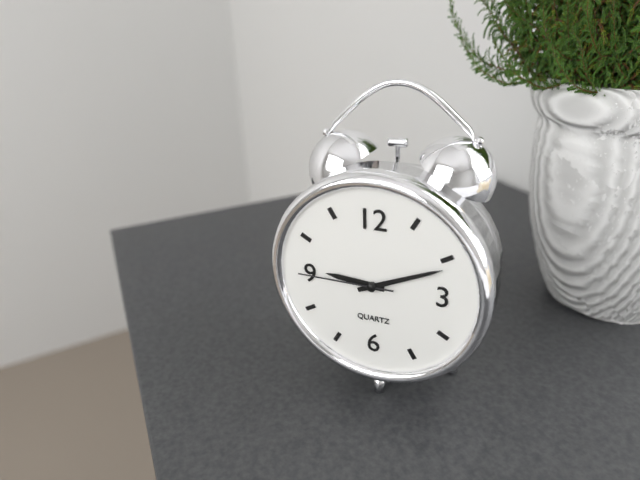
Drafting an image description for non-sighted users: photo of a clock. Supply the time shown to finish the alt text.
9:11:45
